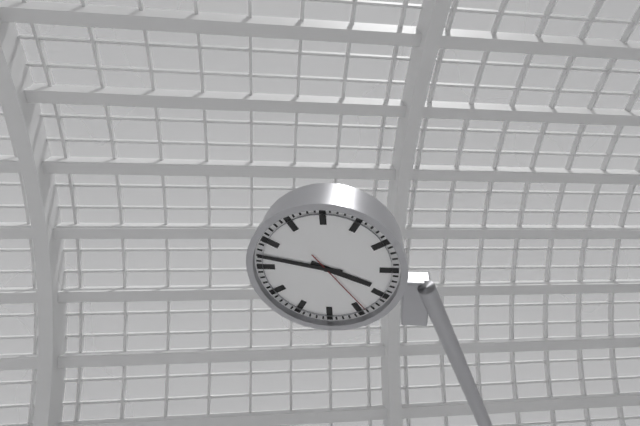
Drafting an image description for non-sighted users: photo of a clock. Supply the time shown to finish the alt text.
3:47:24
